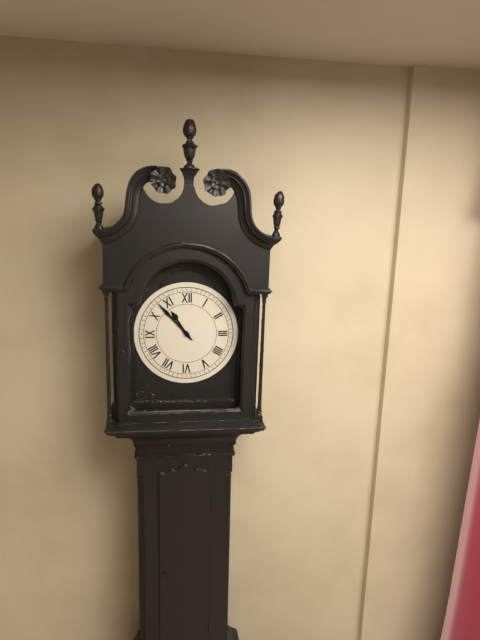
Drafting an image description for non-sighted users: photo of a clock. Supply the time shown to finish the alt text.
10:53
